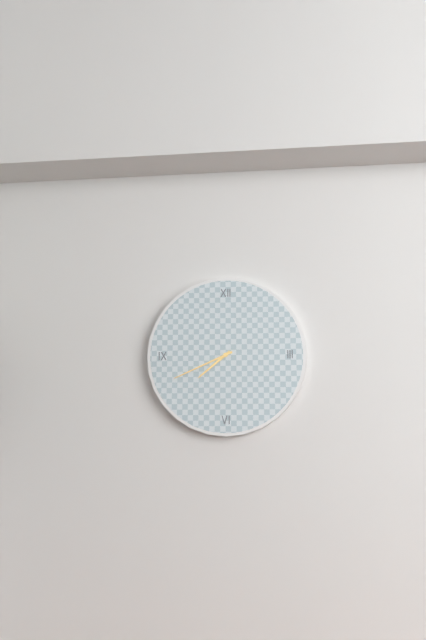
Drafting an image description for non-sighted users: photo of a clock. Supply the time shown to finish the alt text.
7:41
